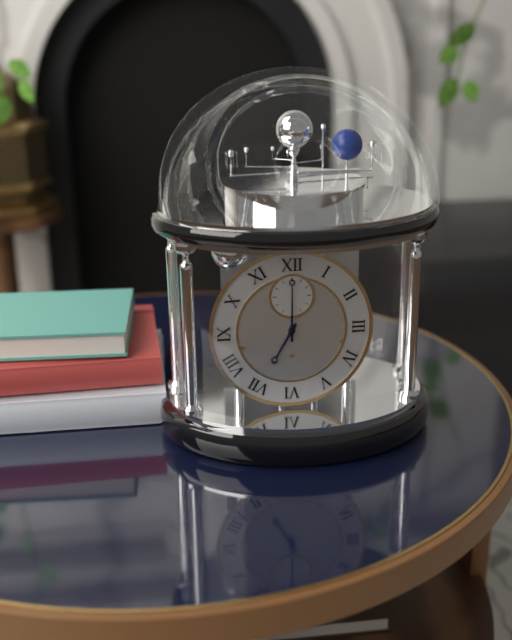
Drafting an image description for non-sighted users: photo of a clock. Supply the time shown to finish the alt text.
7:00
